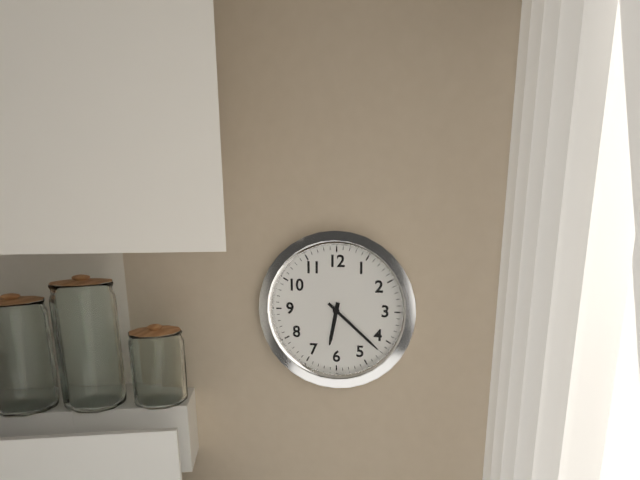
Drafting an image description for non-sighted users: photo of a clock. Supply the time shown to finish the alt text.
6:22
